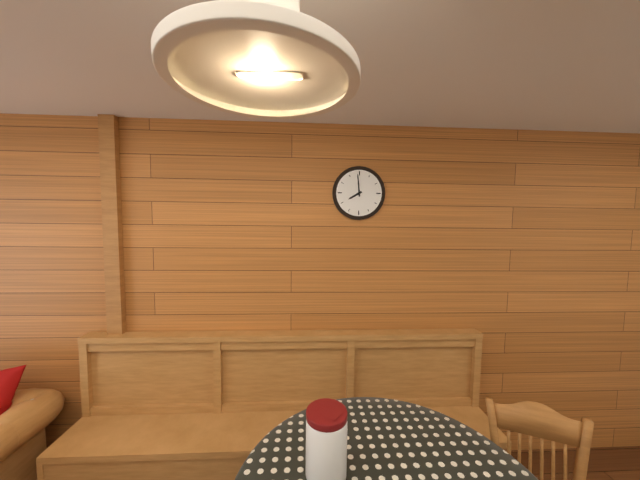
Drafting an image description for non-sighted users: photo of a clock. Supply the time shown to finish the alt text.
7:59
